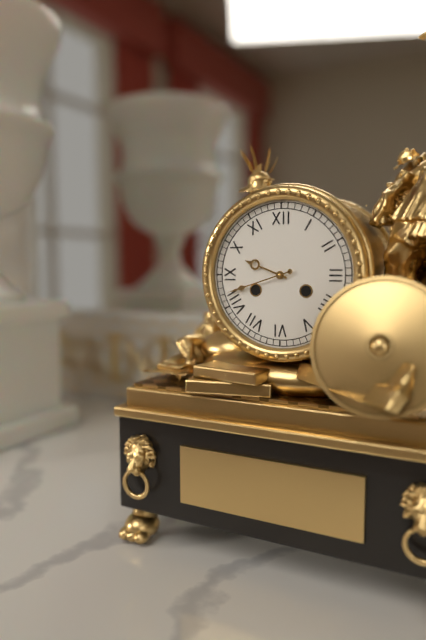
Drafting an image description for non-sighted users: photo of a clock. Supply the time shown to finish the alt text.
9:42
